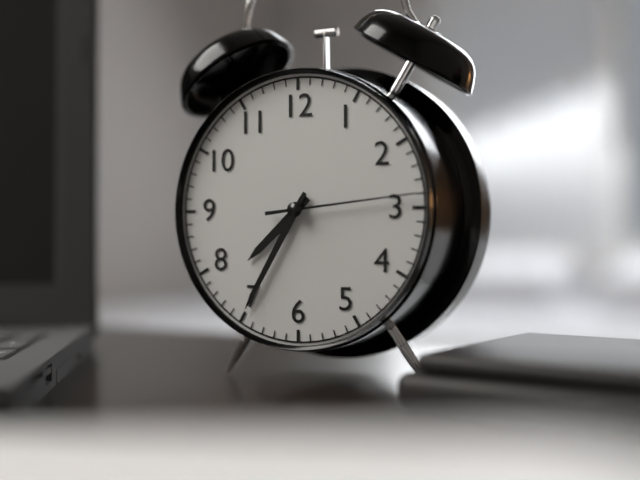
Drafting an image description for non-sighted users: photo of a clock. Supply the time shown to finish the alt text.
7:35:14
